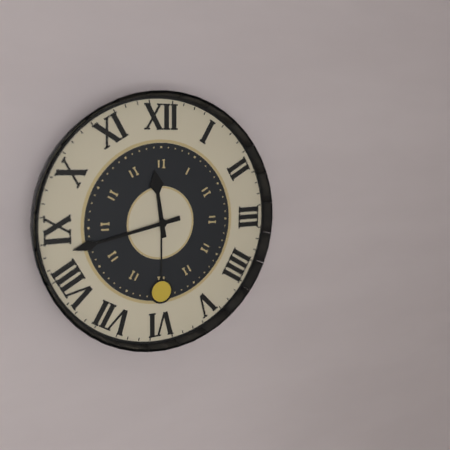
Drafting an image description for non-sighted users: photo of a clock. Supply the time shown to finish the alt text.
11:43
